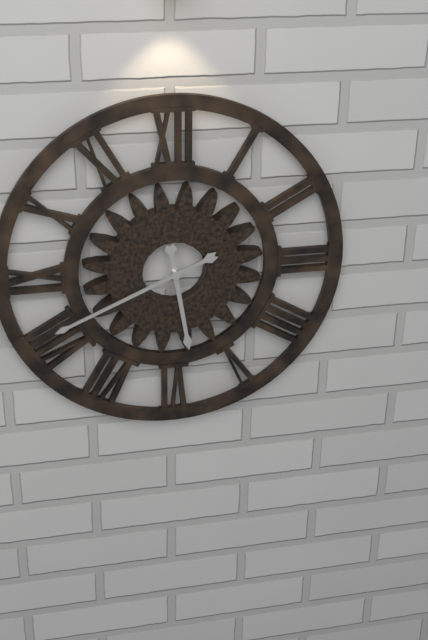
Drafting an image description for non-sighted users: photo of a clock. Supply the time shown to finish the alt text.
5:41
